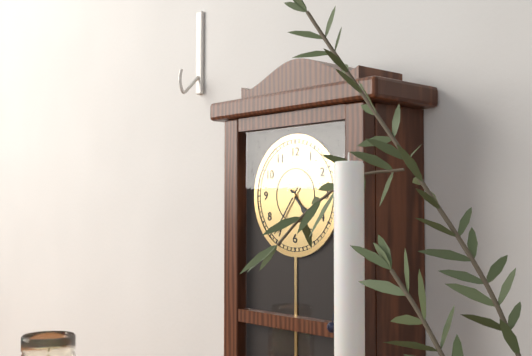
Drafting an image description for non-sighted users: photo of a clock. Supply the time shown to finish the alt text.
4:36
